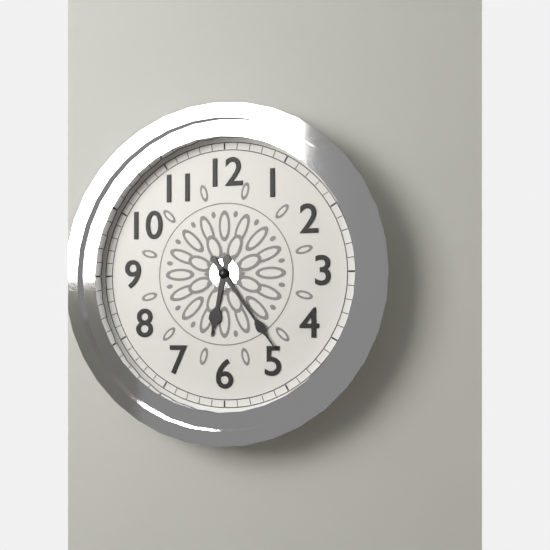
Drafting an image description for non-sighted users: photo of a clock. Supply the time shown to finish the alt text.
6:24
